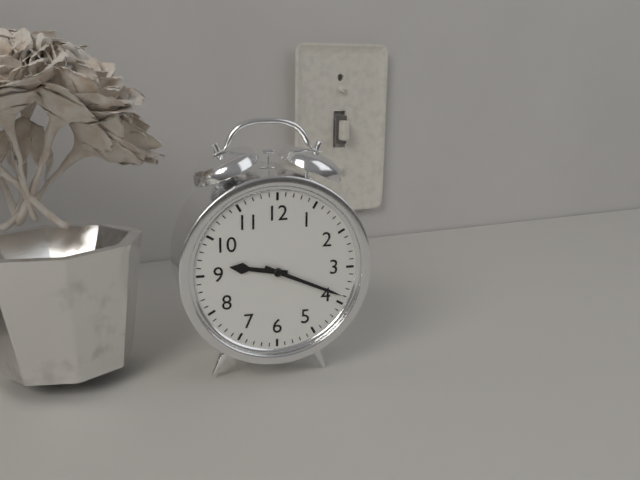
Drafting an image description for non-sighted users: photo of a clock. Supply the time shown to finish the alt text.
9:19
